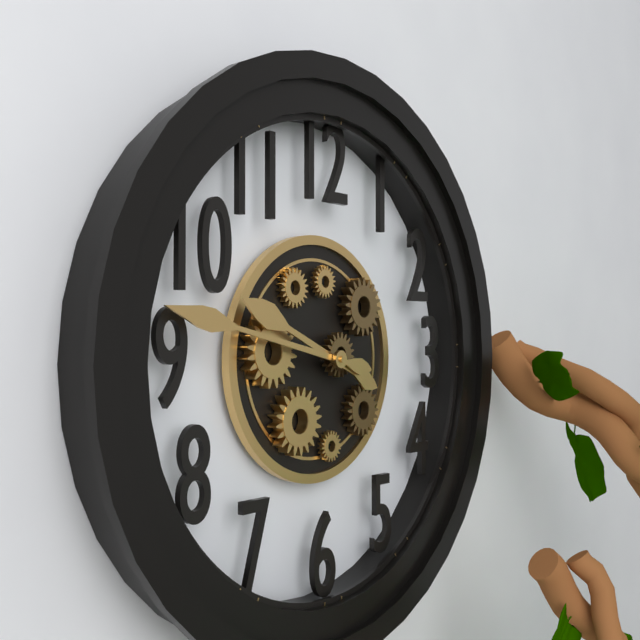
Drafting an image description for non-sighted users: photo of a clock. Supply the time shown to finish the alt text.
9:47
